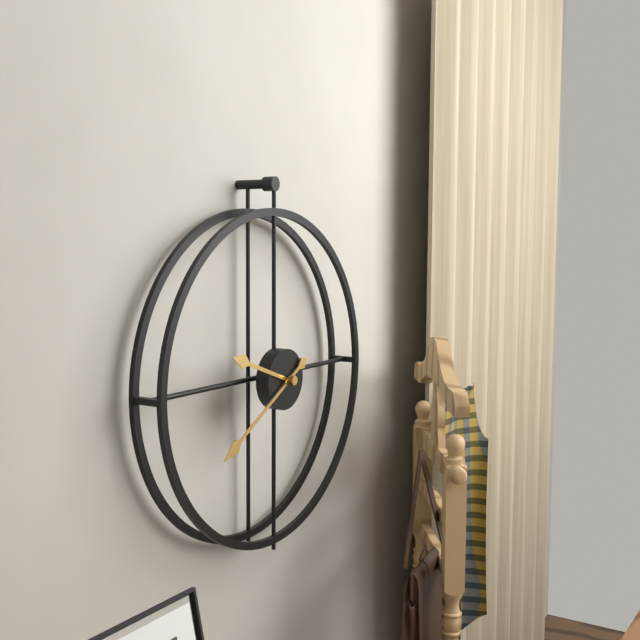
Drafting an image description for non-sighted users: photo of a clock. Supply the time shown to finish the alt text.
9:40
